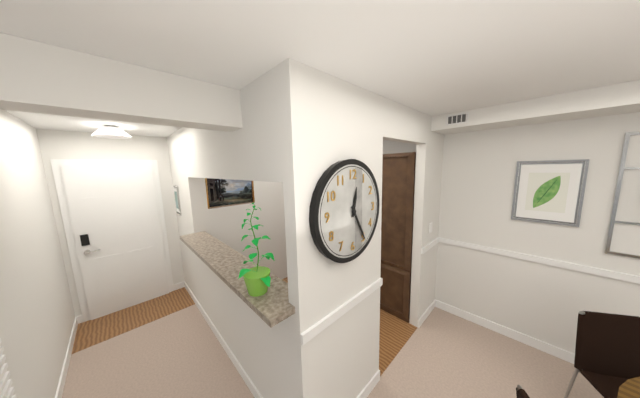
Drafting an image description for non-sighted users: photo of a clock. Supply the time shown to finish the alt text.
12:25
